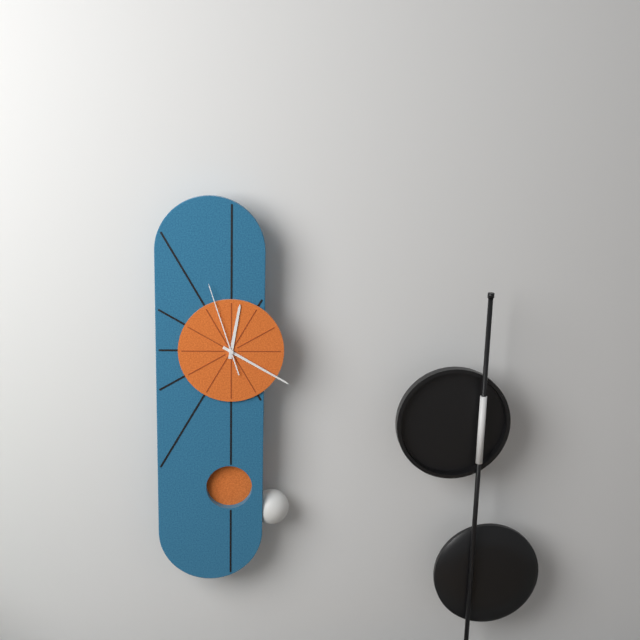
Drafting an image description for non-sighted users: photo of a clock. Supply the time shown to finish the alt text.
12:20:57
